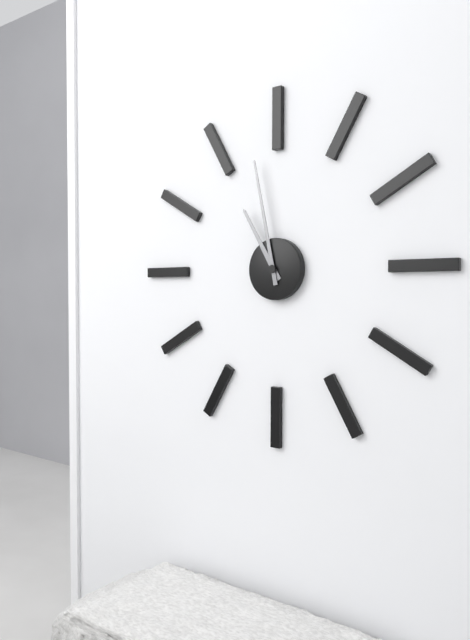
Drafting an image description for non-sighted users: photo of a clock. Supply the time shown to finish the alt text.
10:58
